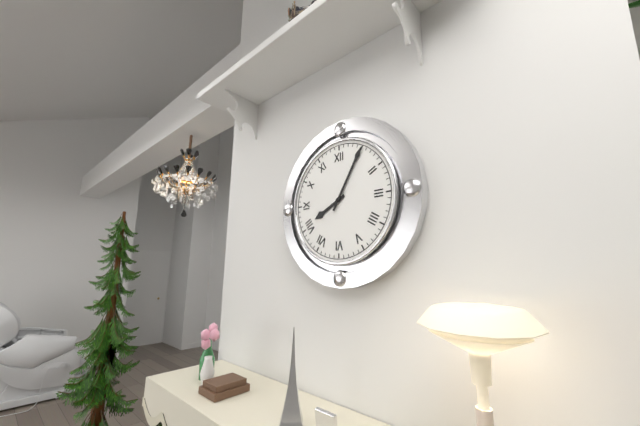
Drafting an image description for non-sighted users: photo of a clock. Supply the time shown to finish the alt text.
8:05
